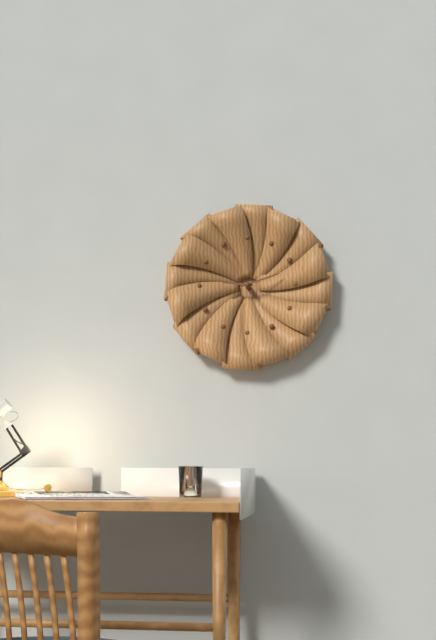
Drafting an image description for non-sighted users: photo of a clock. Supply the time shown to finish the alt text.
9:12
